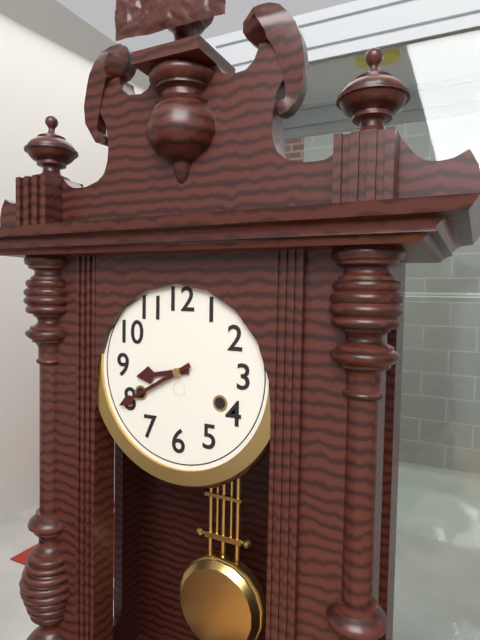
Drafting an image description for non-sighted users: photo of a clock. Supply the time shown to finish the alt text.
8:40
